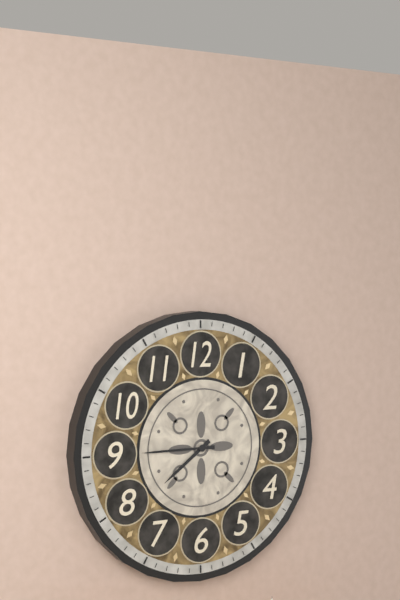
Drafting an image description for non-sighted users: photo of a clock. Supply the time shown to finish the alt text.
7:45
